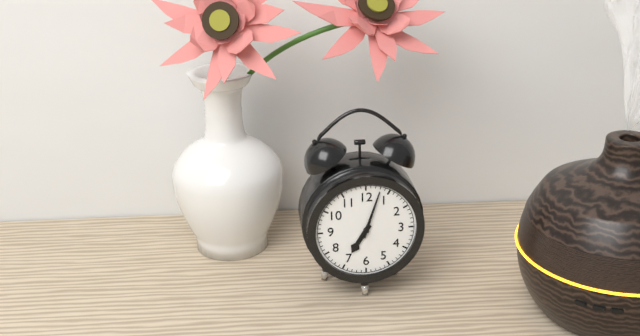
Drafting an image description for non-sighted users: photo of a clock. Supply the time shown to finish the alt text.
7:03
